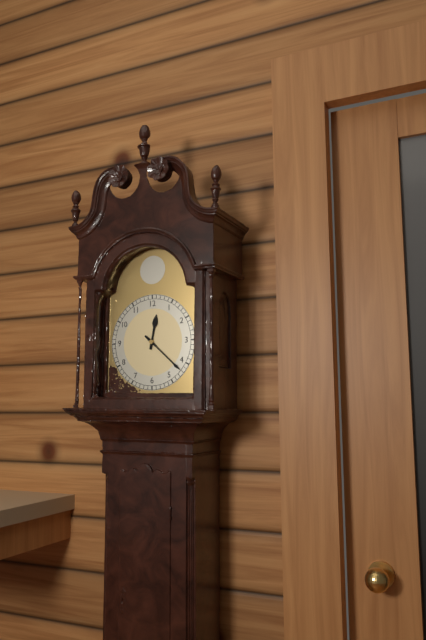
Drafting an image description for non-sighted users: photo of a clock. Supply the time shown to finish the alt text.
12:22
